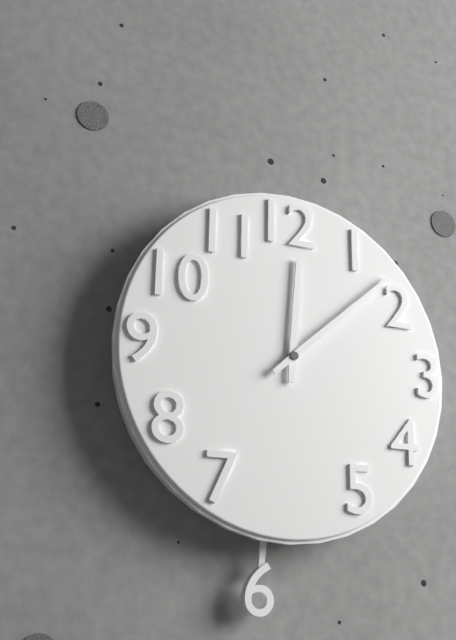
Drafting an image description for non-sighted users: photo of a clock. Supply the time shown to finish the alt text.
12:08
